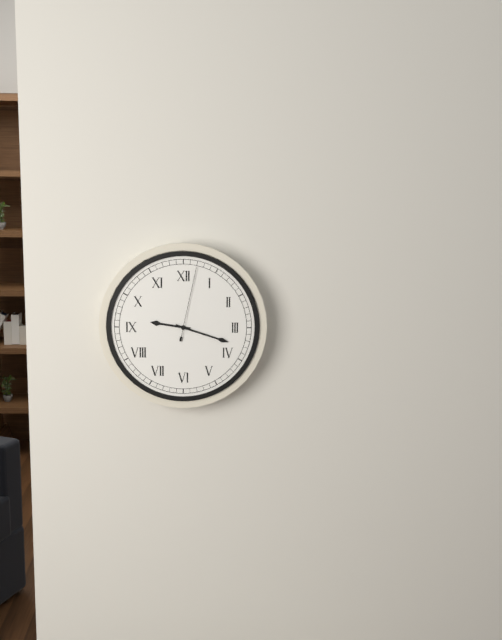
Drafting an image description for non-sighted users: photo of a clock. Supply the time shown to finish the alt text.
9:18:02
